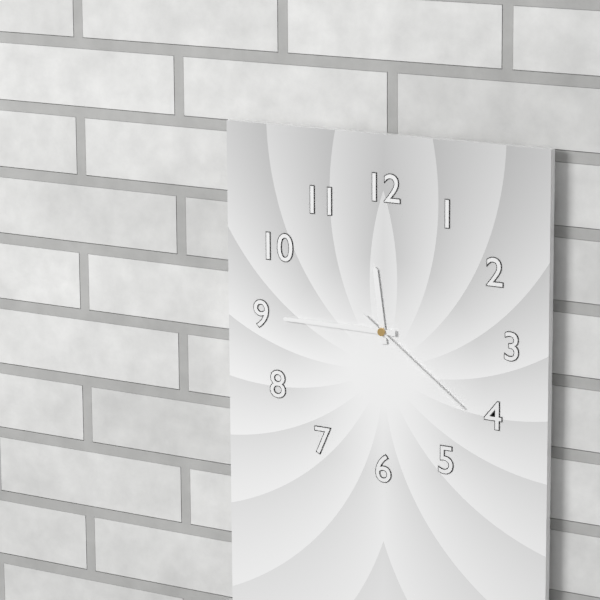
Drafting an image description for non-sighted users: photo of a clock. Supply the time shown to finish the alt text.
11:45:21
